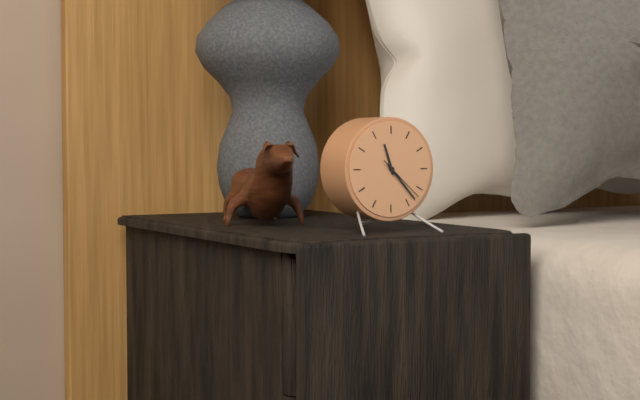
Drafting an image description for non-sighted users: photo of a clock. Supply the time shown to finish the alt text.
11:23
